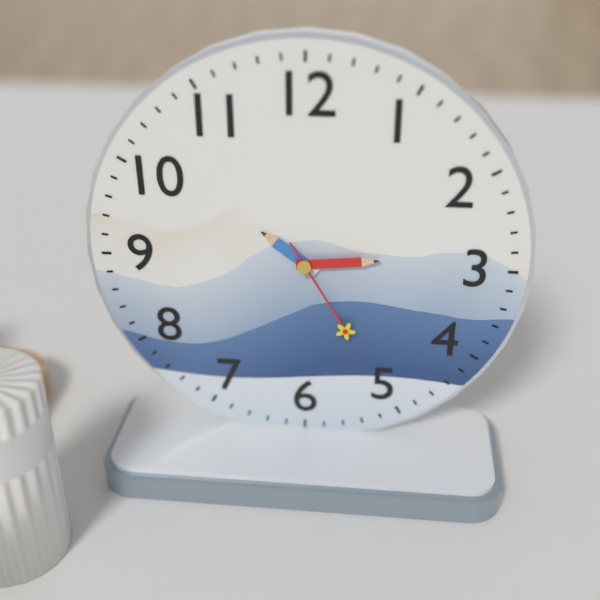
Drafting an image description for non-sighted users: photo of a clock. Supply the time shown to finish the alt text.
10:14:25
